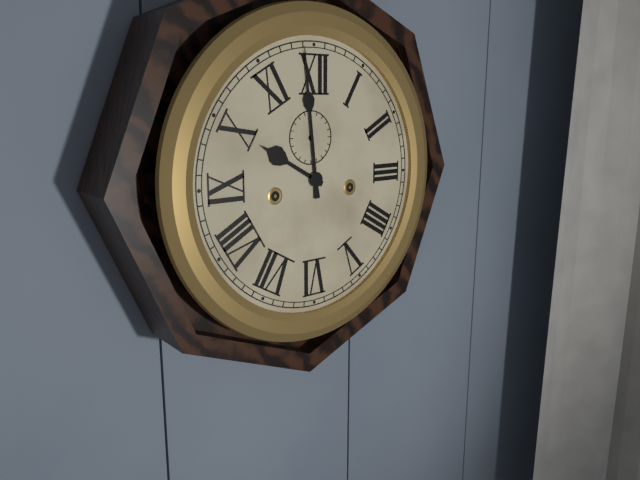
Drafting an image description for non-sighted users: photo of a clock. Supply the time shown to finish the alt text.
9:59
